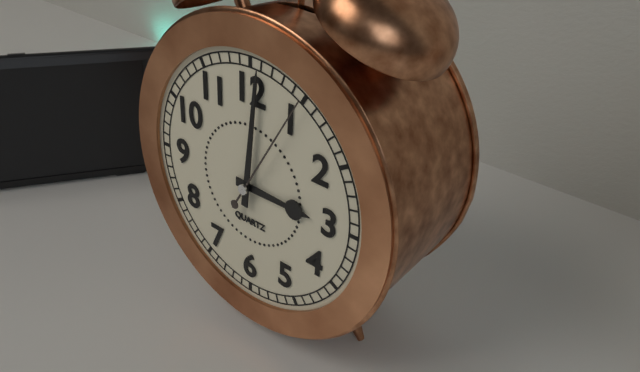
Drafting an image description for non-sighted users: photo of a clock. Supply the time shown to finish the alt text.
3:01:05
